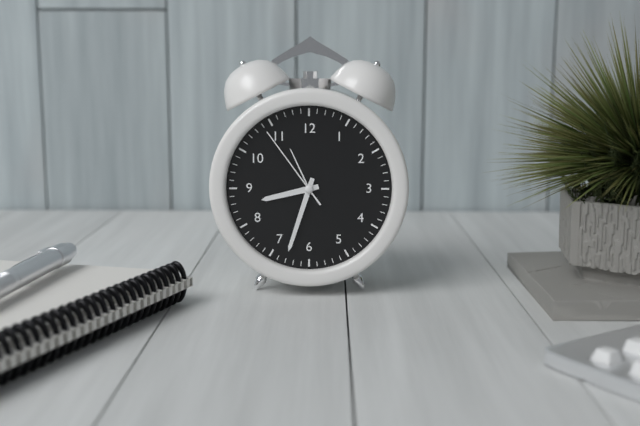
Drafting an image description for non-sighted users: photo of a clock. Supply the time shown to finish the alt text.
8:33:54
